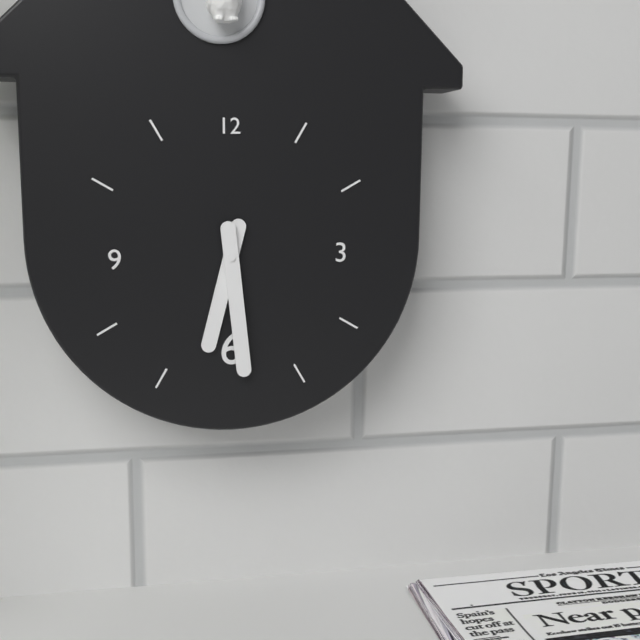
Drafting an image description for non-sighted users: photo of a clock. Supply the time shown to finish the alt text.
6:29
